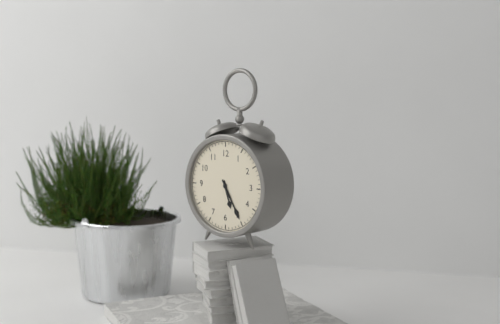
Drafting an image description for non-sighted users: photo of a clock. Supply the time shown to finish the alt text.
5:25
